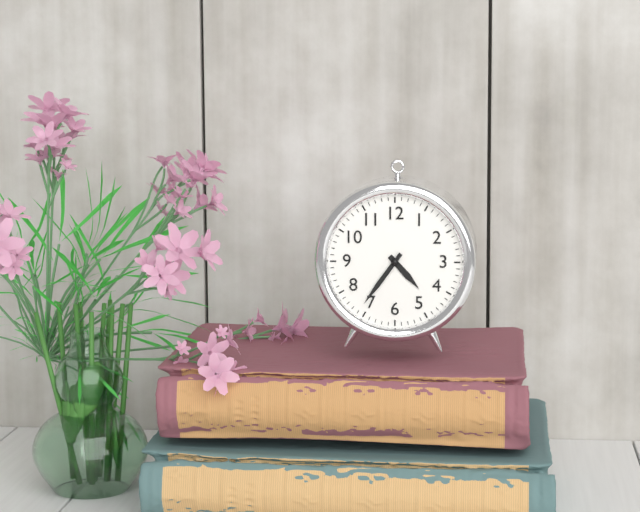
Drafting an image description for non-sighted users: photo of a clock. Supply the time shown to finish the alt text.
4:36
